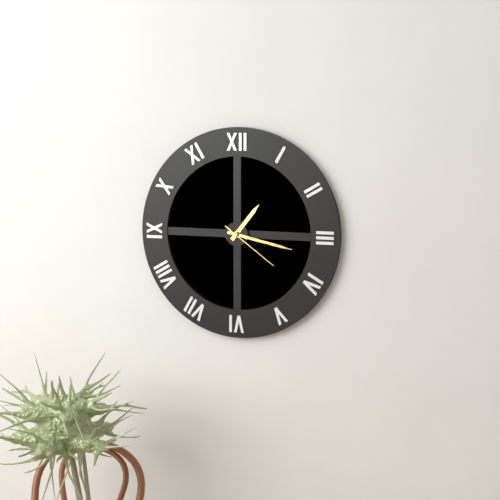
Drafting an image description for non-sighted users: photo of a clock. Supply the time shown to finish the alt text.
1:17:21
